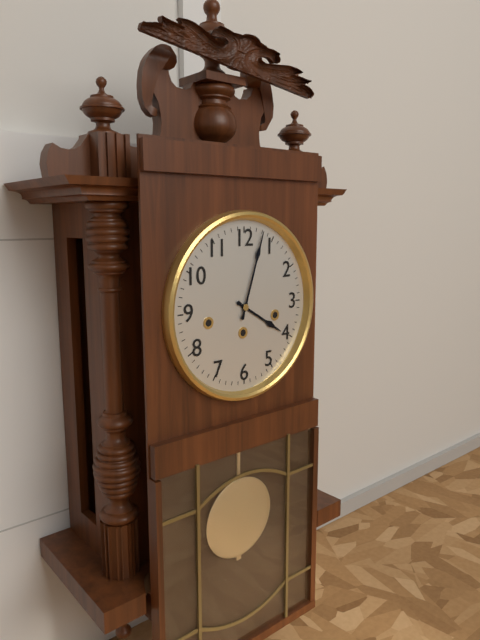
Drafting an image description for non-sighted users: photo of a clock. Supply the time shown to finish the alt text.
4:03
